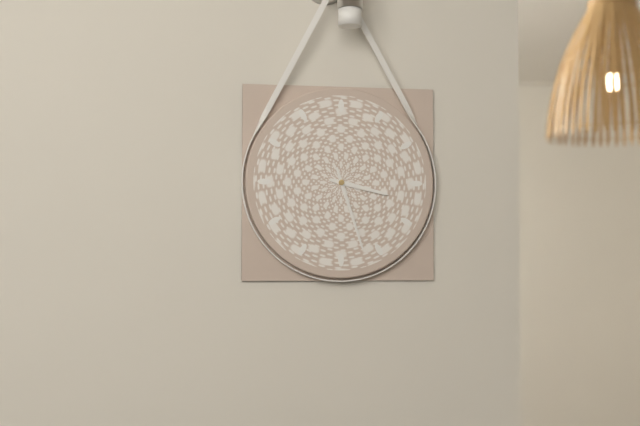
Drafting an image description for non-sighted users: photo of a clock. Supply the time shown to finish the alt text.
3:27
